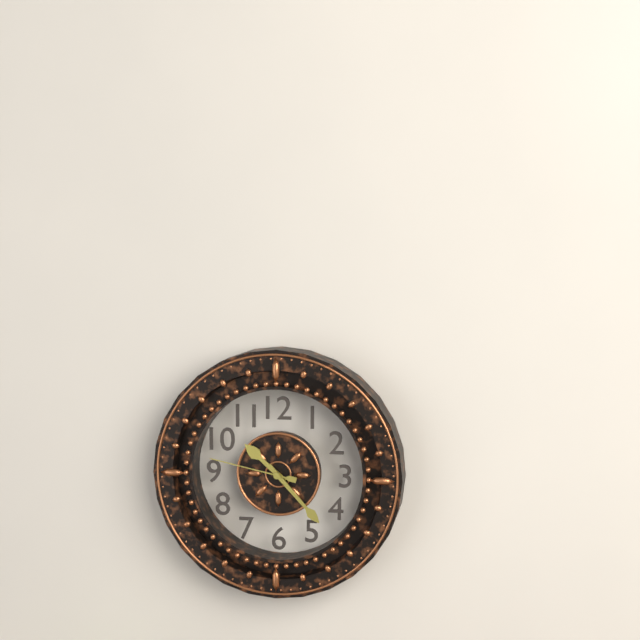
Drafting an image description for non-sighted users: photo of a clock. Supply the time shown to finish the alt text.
10:23:47
